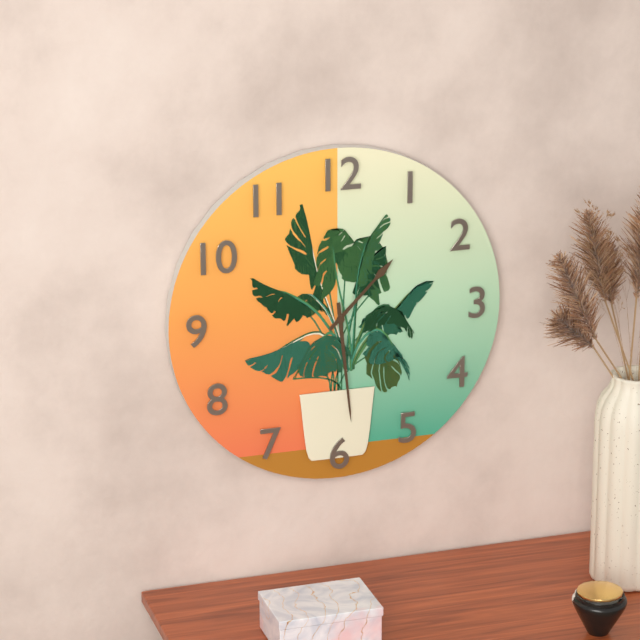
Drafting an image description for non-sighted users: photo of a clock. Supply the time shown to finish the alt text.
1:29
